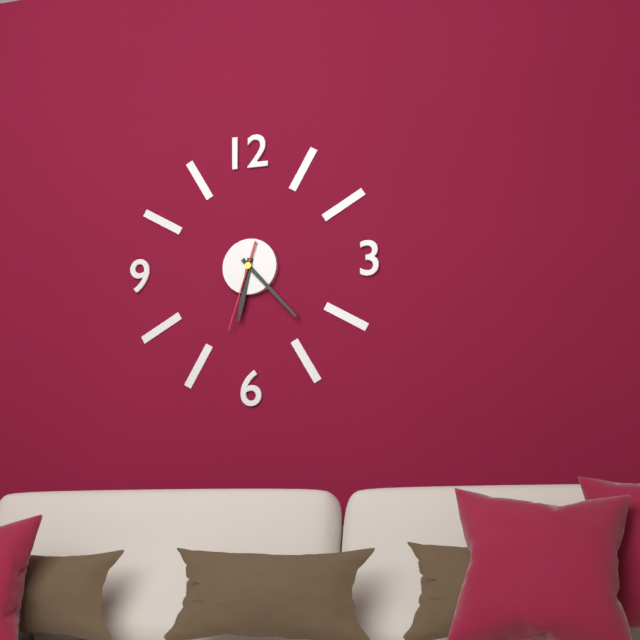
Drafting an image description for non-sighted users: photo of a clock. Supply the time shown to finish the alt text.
6:23:33
